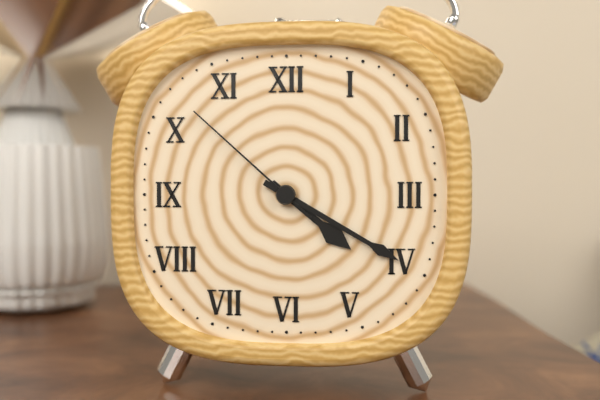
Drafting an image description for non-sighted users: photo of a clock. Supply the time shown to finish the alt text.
4:20:52
